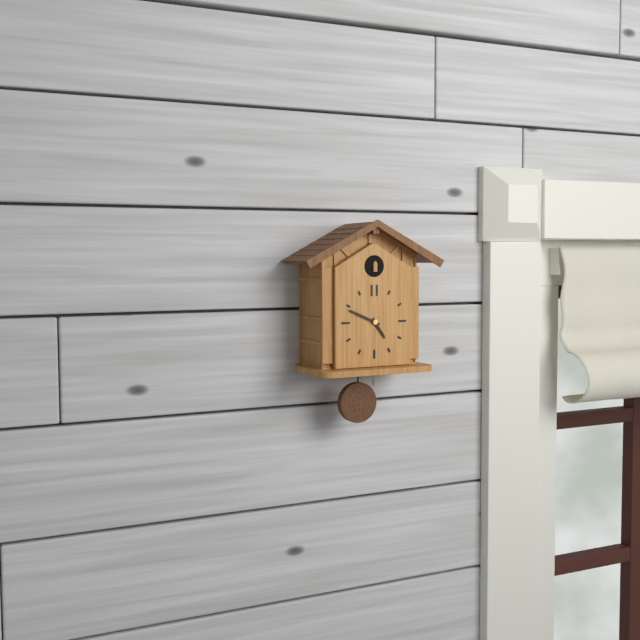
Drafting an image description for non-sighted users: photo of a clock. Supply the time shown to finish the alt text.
4:49
